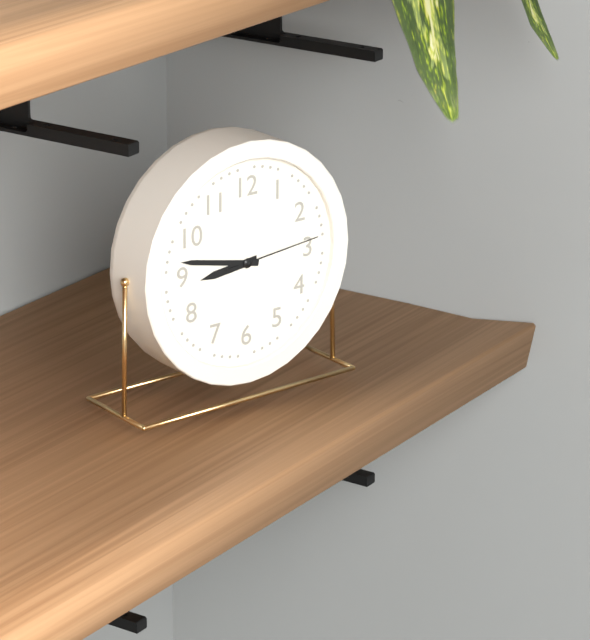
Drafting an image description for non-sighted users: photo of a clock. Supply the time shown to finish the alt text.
8:47:14
